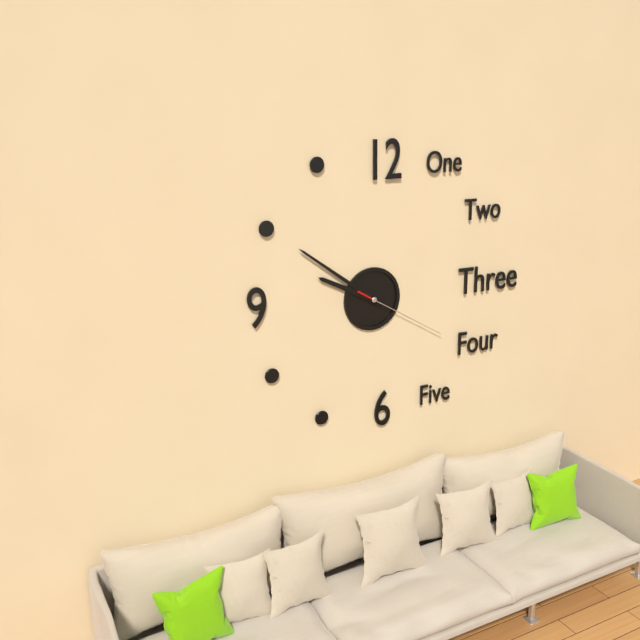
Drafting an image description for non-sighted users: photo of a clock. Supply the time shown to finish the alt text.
9:51:20
